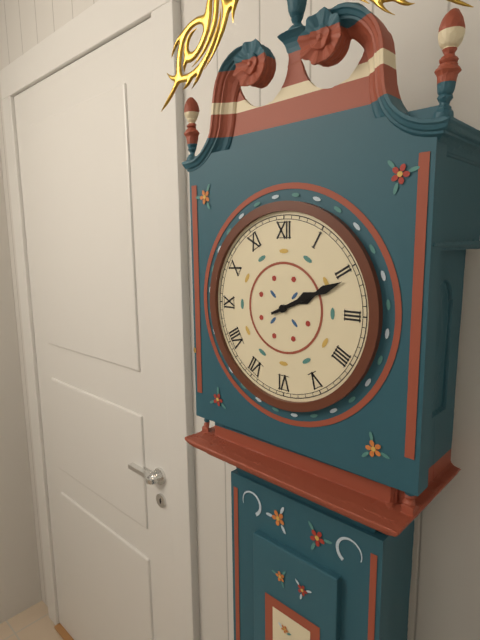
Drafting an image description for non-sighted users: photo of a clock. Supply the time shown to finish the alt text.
2:11
